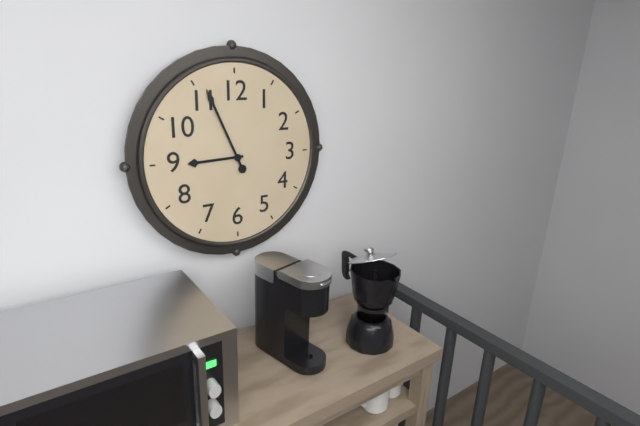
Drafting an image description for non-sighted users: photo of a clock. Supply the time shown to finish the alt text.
8:56
